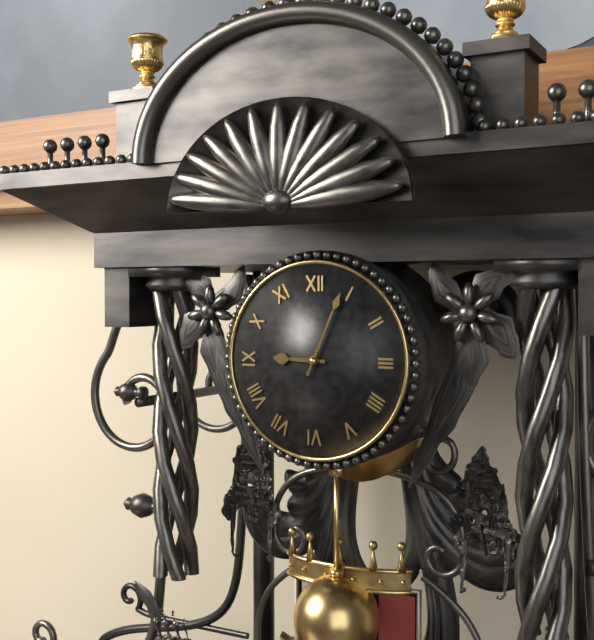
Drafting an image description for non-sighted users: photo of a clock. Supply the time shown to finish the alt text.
9:04
